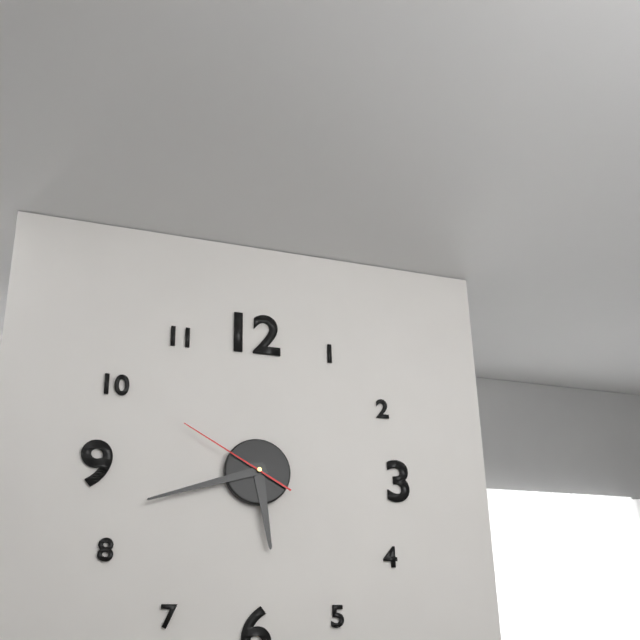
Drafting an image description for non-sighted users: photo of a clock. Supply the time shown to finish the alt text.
5:42:50
